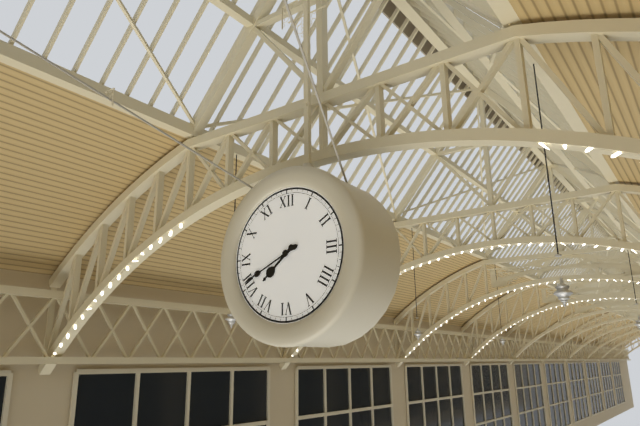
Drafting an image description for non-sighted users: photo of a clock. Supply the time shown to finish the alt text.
7:41
